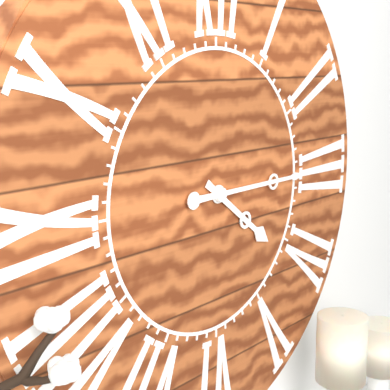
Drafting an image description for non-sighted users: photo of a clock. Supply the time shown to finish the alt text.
4:15
